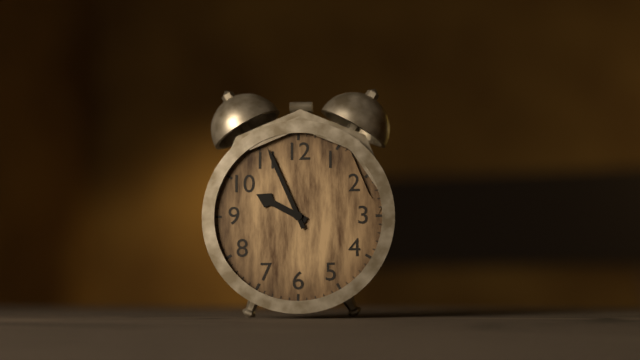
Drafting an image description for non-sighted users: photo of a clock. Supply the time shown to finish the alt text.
9:56
